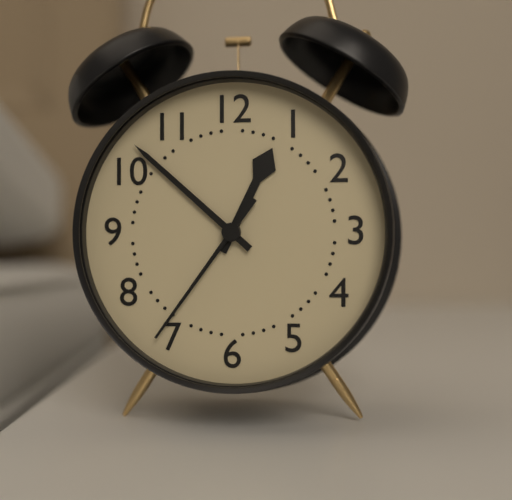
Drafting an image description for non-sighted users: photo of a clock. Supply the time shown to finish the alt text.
12:52:36
